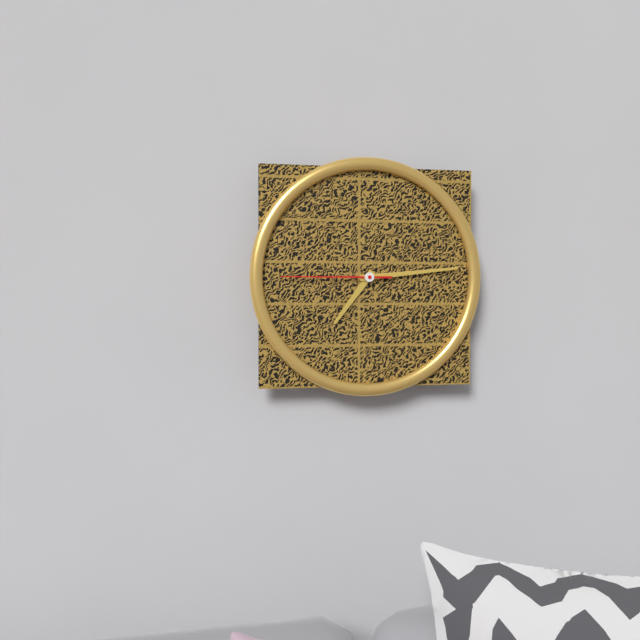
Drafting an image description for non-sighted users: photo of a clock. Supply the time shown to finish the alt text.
7:14:45
